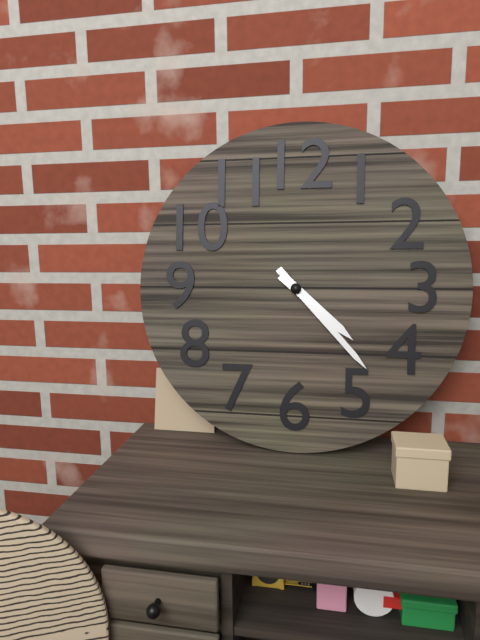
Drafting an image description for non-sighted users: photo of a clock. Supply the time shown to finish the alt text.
4:23
